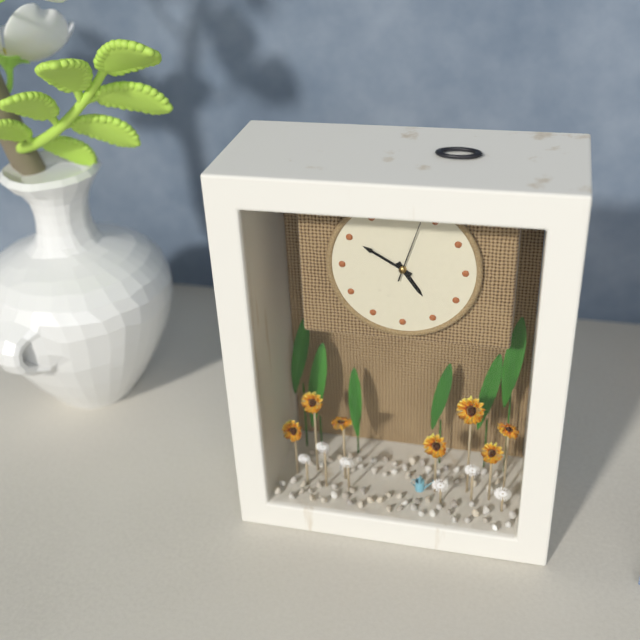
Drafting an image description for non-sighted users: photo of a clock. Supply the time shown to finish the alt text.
4:50:03
